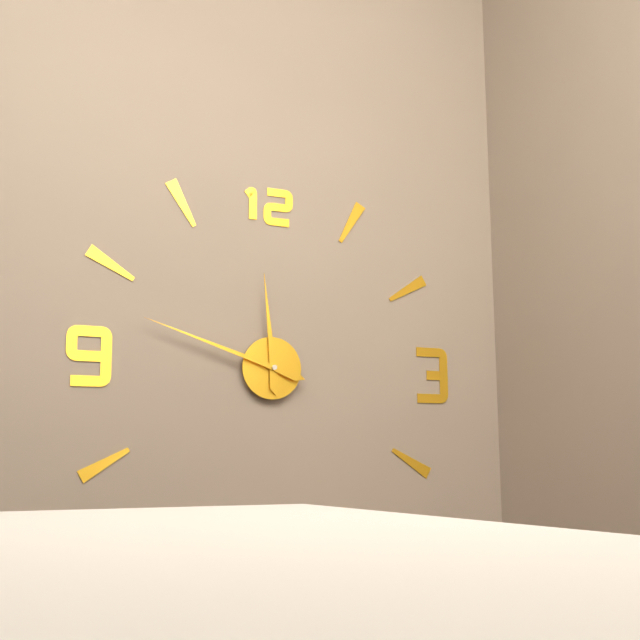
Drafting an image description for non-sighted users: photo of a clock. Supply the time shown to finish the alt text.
11:48
